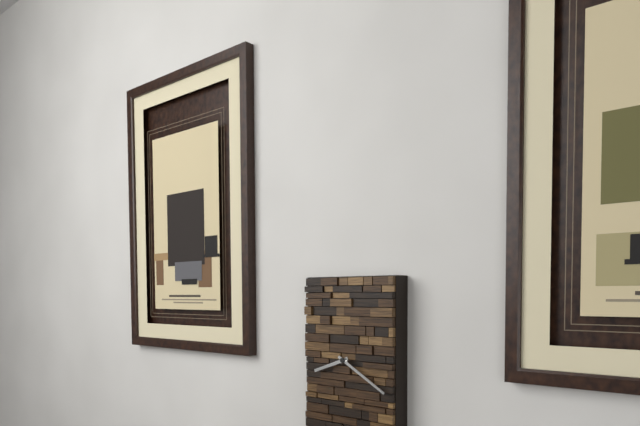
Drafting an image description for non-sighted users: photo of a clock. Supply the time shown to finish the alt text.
8:20
